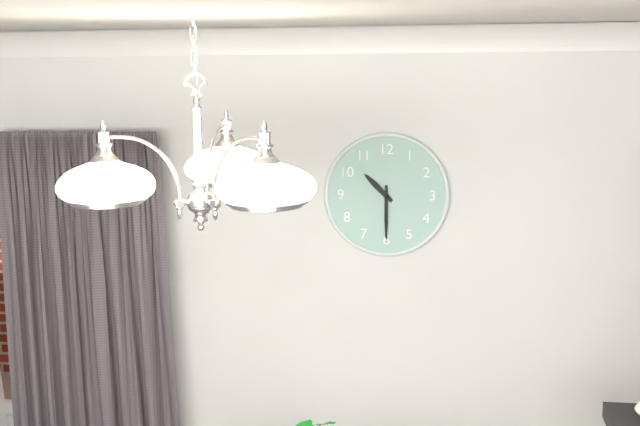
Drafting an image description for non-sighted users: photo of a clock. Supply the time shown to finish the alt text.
10:30
